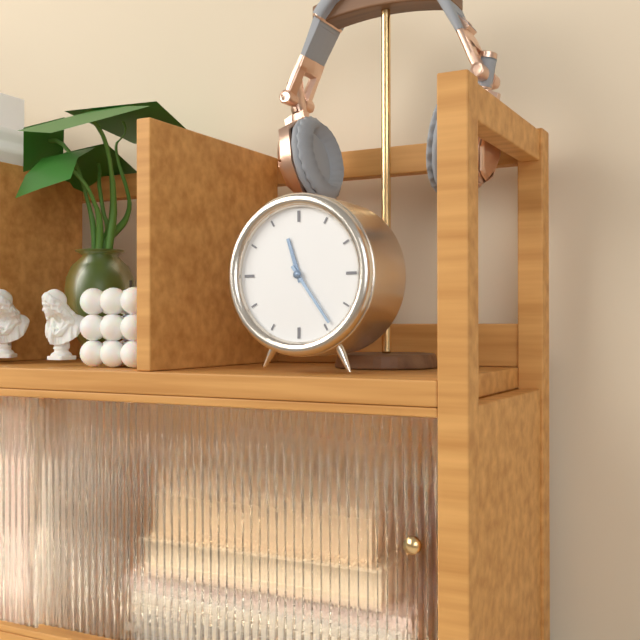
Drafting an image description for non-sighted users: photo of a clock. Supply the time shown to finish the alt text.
11:24
